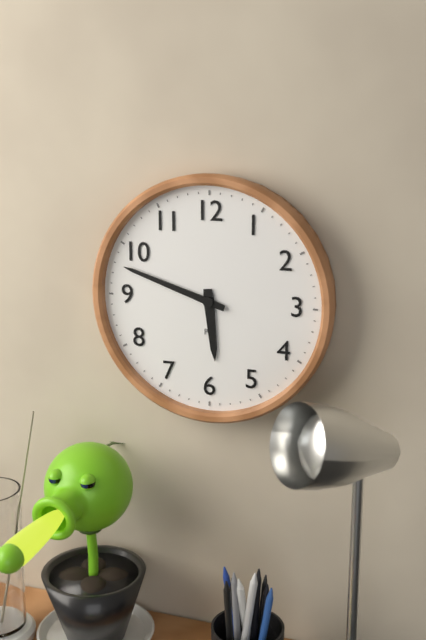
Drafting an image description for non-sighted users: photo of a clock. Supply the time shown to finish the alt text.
5:48
